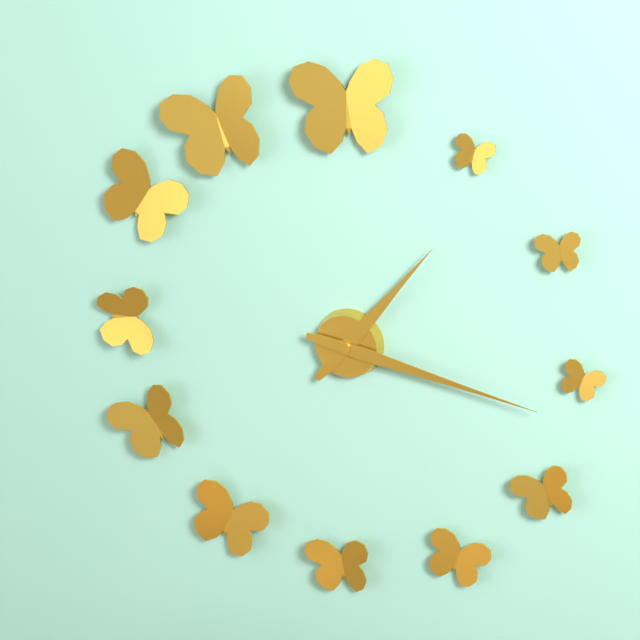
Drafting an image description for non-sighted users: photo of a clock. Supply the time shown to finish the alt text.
1:17
